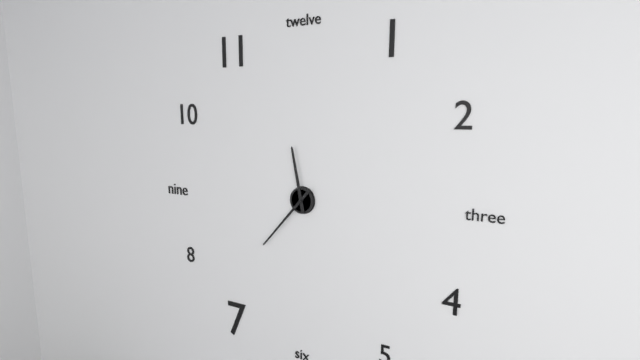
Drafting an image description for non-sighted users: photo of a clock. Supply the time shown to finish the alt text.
11:37
